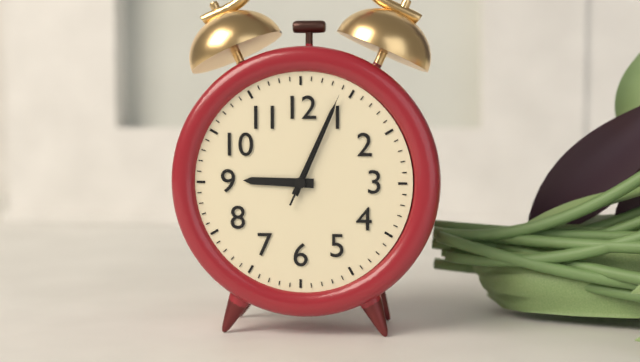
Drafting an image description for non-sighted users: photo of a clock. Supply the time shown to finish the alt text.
9:04:04
